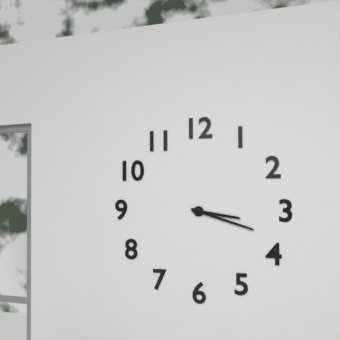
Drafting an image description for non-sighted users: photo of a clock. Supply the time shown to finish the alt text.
3:18
